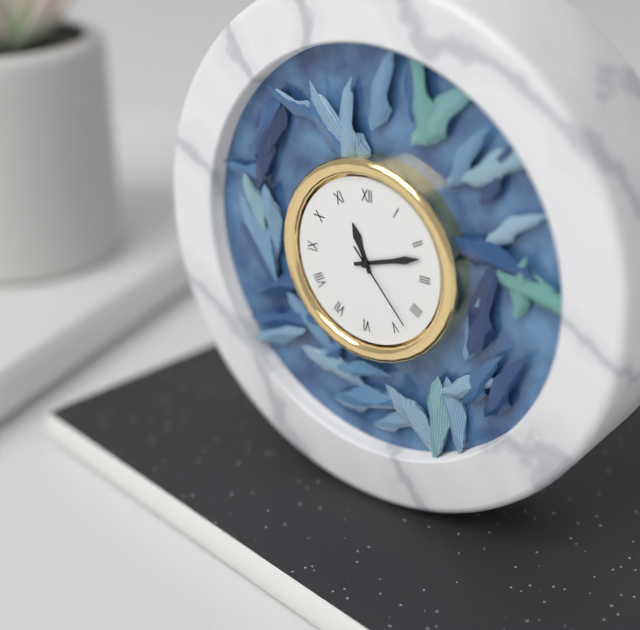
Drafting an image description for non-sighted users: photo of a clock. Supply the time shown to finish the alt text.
11:12:23
